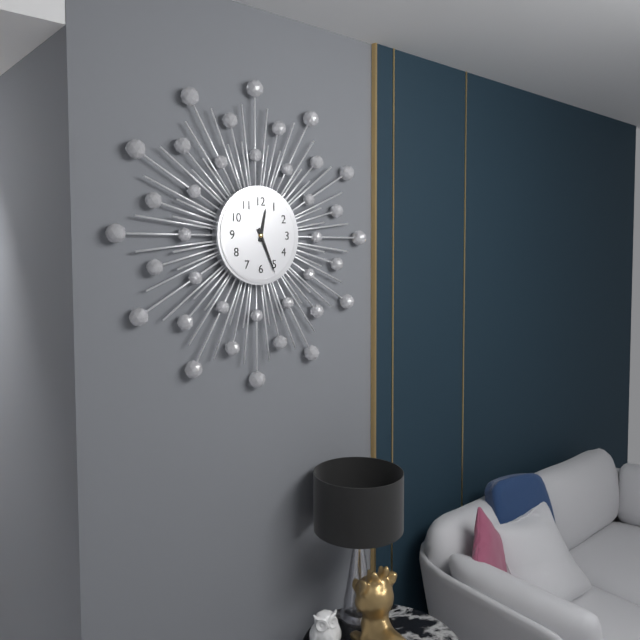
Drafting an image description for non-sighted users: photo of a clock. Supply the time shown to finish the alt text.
12:26
